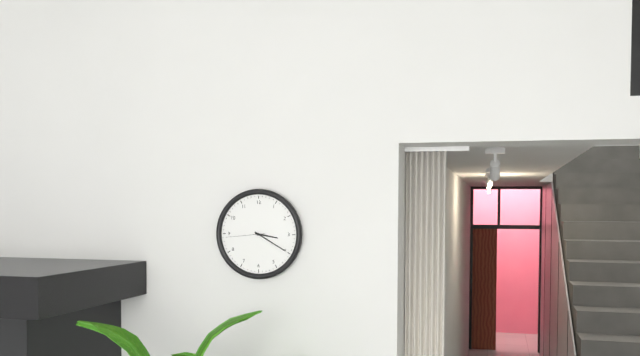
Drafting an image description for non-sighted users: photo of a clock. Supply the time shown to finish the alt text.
3:20
